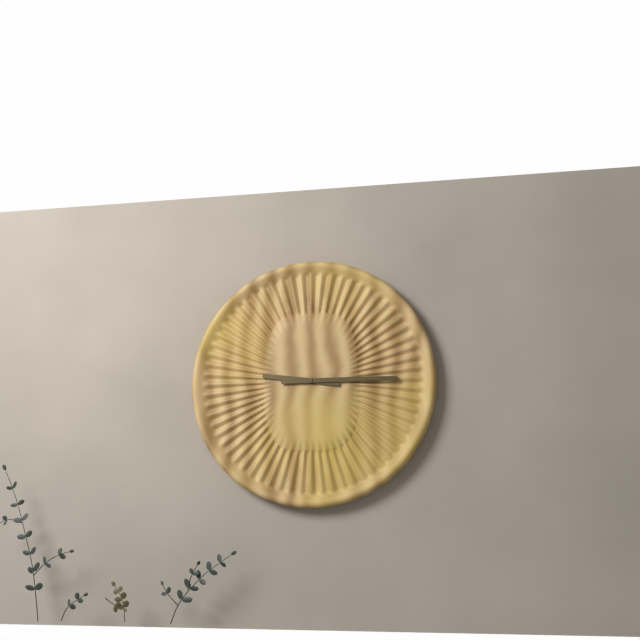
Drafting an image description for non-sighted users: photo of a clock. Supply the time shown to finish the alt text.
9:15
